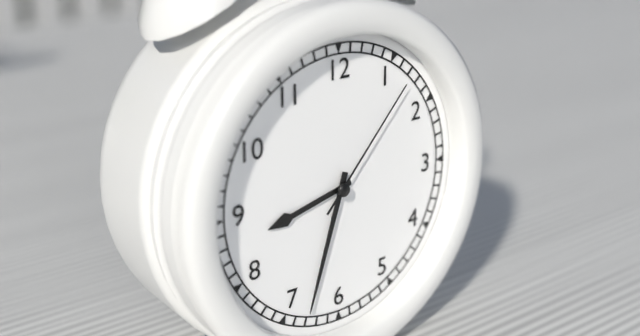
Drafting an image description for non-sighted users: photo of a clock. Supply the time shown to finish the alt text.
8:33:07
